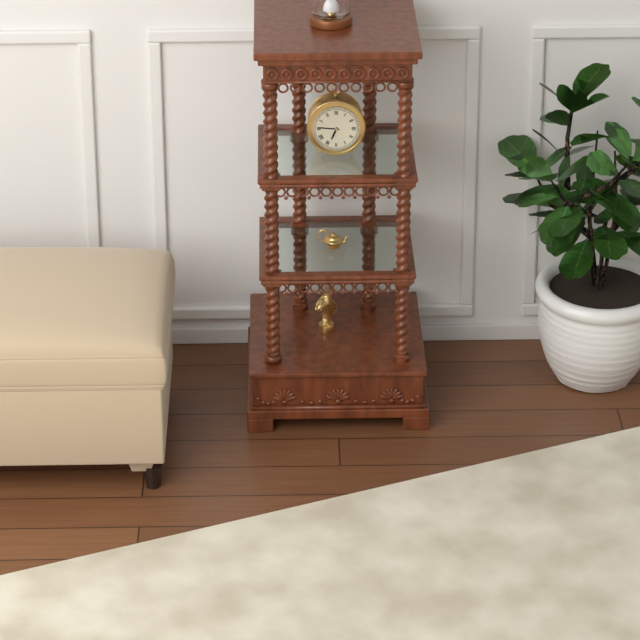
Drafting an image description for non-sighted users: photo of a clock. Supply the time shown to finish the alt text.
6:46
